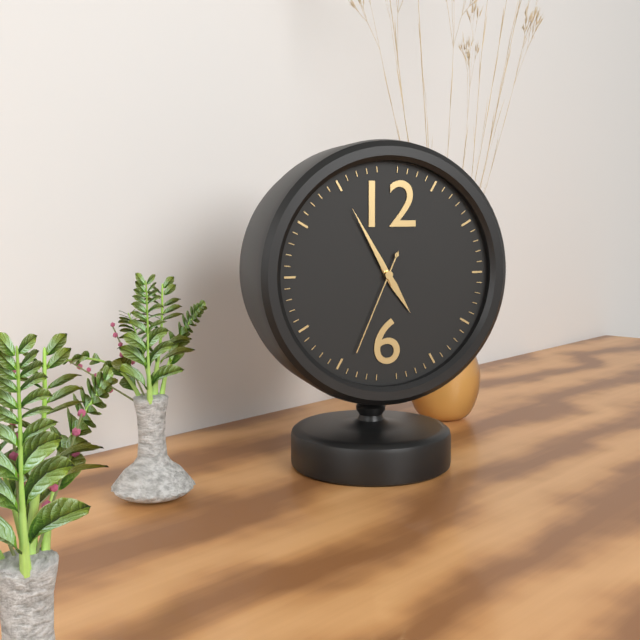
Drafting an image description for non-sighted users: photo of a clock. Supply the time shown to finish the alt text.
4:55:34
